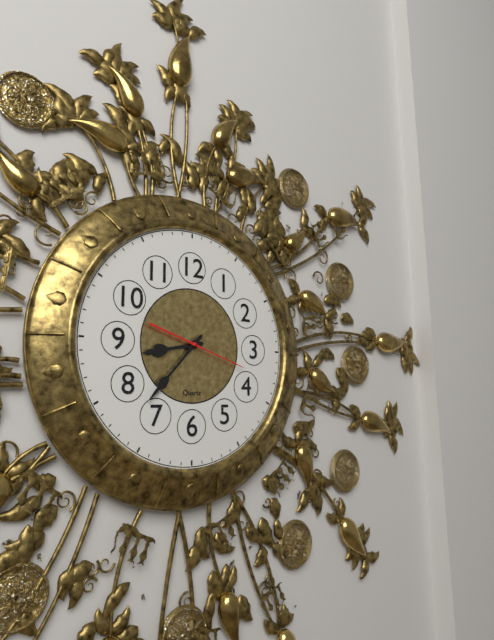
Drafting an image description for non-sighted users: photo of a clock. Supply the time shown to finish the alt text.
8:37:18
